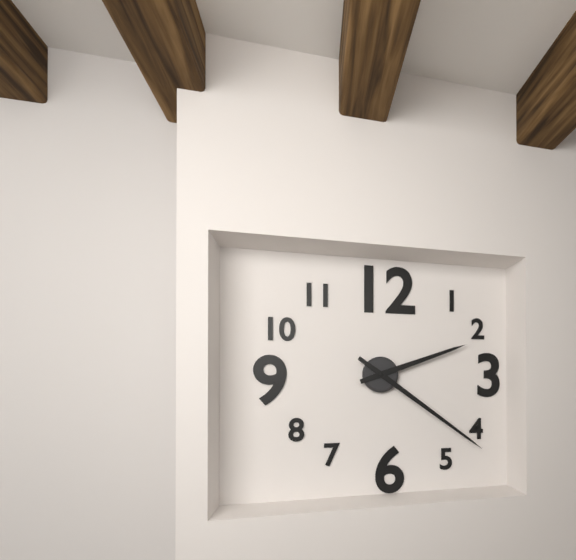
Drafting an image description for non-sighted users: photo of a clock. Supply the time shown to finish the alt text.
2:21
